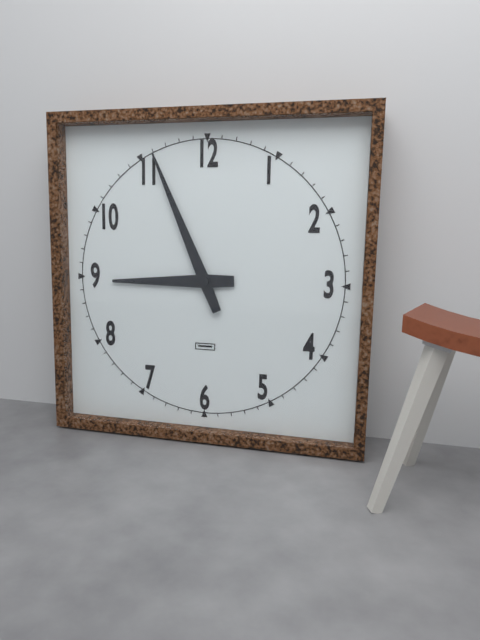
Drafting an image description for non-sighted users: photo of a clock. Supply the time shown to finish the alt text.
8:56
